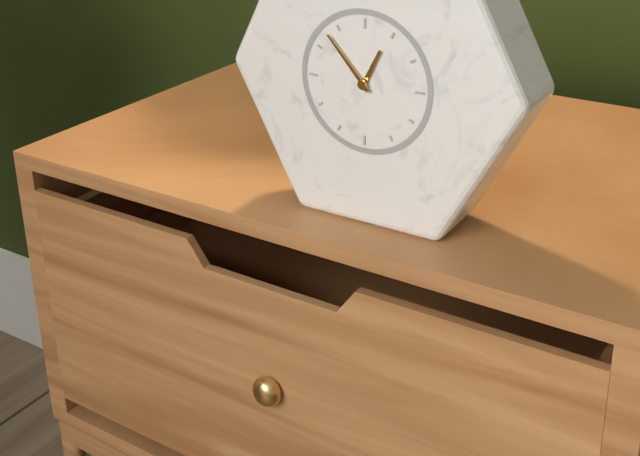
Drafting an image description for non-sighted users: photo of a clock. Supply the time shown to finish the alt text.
12:53
